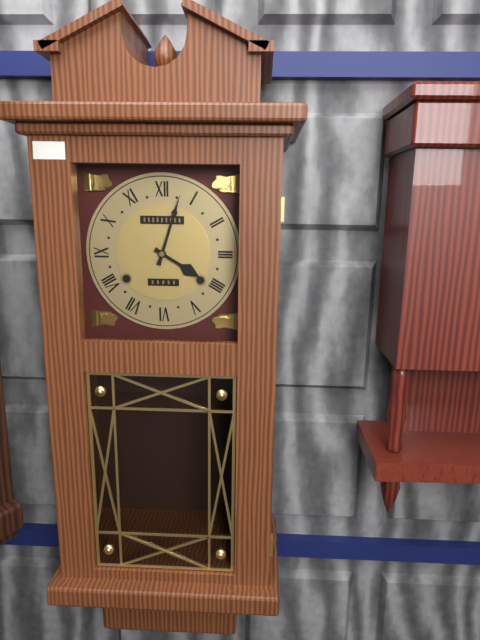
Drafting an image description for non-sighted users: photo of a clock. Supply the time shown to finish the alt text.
4:03
